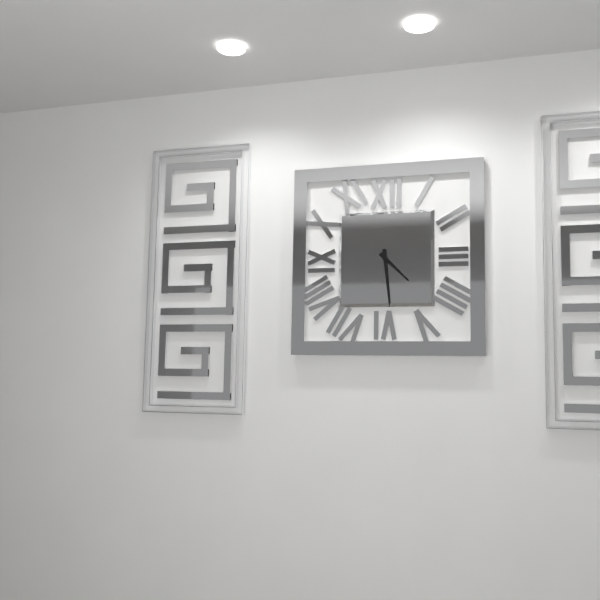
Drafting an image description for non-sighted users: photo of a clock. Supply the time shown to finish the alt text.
4:29
